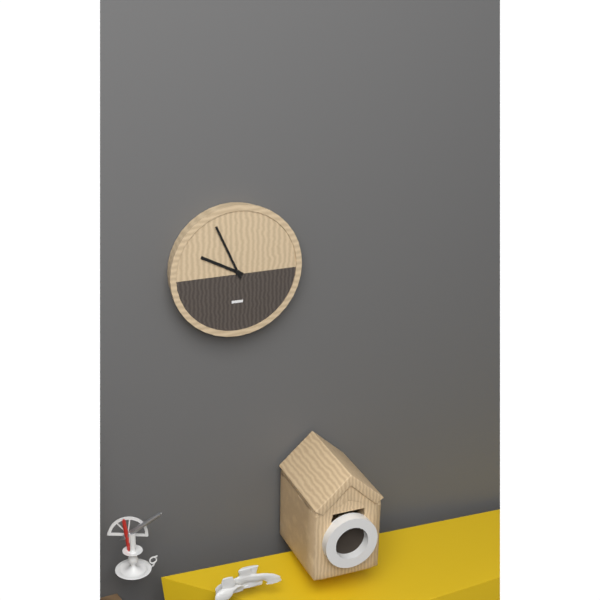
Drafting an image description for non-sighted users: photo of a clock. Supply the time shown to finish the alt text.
9:56
